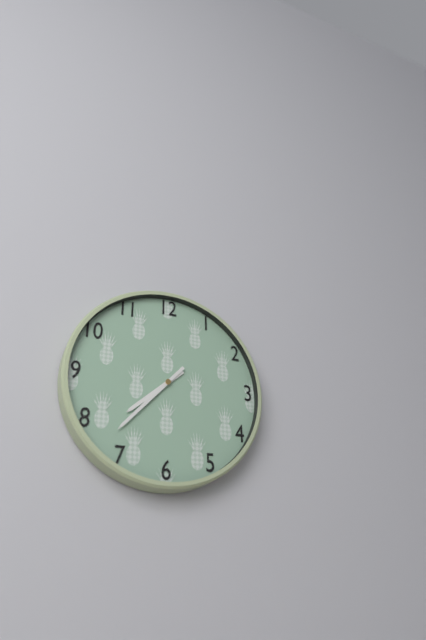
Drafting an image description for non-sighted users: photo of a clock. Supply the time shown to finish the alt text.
7:37
